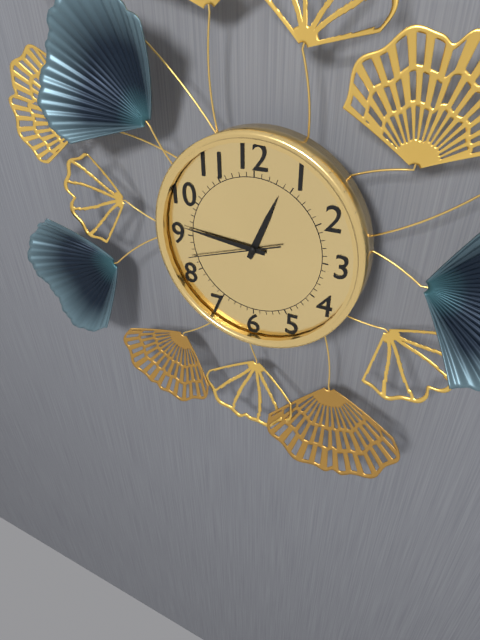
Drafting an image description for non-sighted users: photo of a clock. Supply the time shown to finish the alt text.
12:46:42
